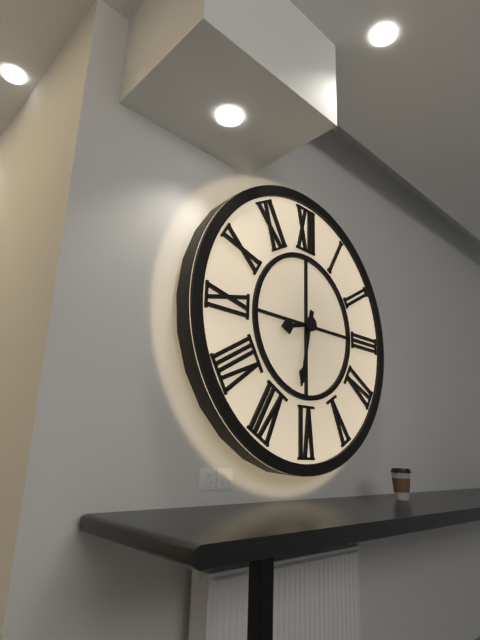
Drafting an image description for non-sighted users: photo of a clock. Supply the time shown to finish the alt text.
8:32
